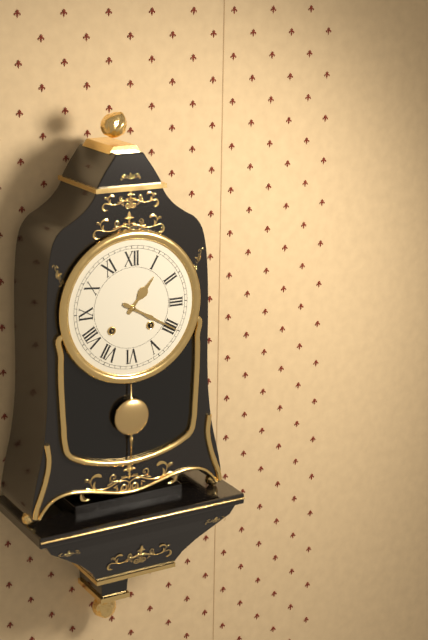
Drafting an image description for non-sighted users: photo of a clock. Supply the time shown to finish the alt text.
1:20
